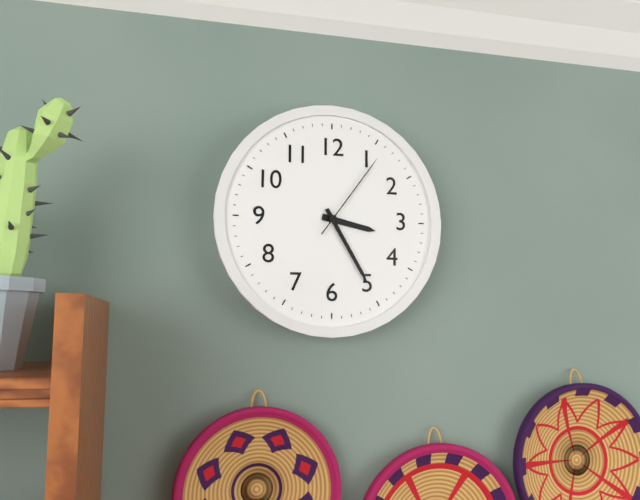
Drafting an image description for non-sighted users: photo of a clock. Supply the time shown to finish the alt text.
3:25:06
